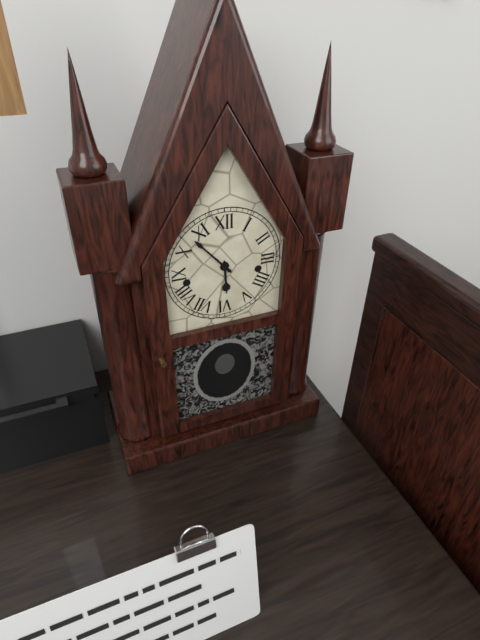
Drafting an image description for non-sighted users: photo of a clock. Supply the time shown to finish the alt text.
5:53
